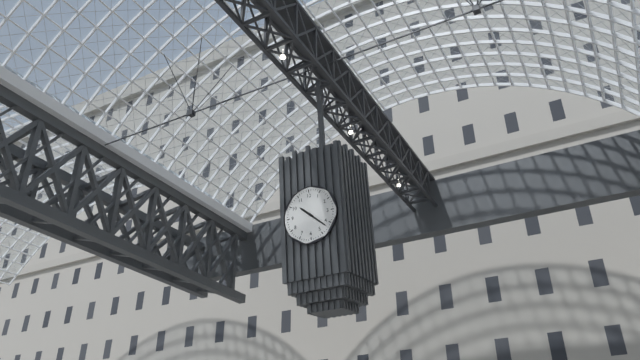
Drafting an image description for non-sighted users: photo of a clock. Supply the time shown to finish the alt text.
10:22
